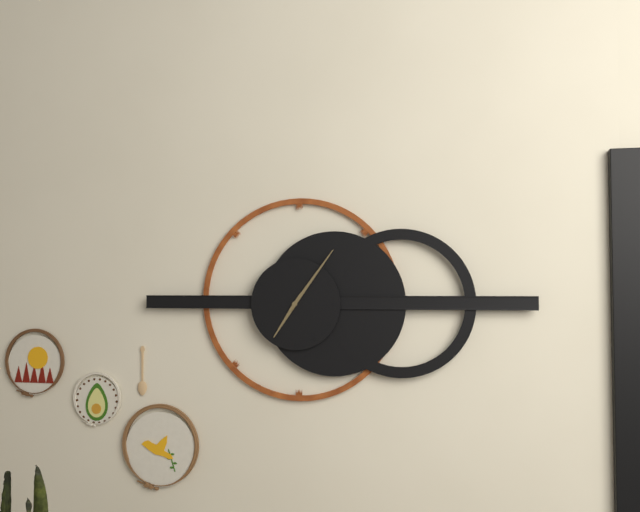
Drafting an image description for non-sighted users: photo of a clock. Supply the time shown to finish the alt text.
7:06
